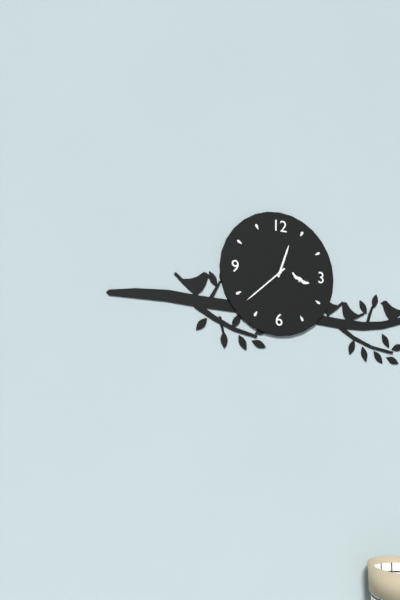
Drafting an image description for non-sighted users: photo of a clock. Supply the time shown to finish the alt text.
12:38
